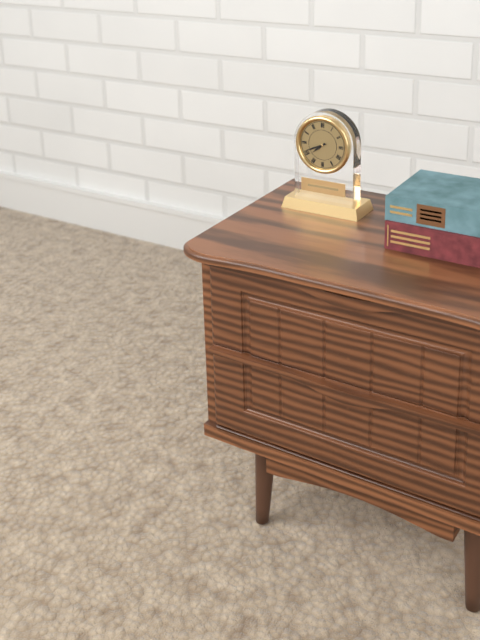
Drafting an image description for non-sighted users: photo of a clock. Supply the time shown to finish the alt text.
7:41
